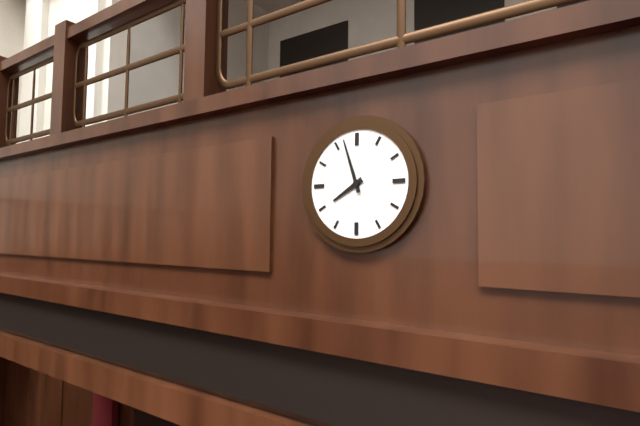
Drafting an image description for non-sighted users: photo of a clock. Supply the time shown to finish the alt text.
7:57
